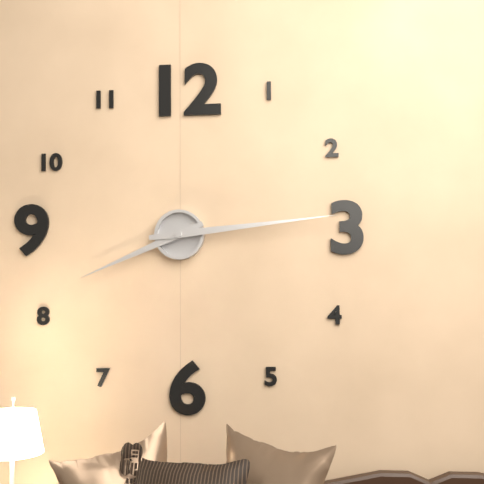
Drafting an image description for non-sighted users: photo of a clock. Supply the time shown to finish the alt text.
8:14
